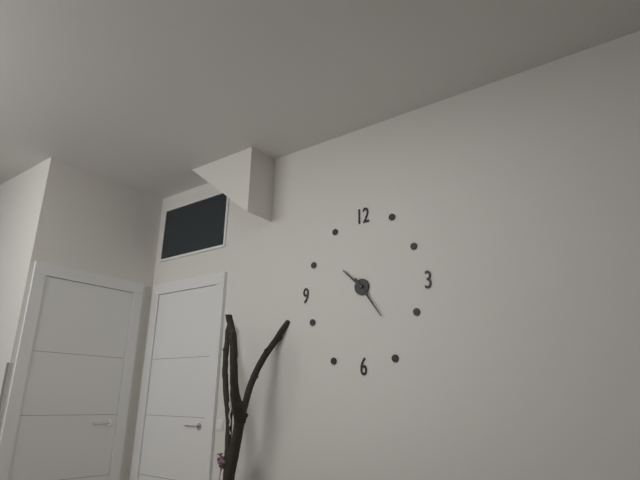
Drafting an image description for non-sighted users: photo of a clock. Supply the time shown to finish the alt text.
10:24
